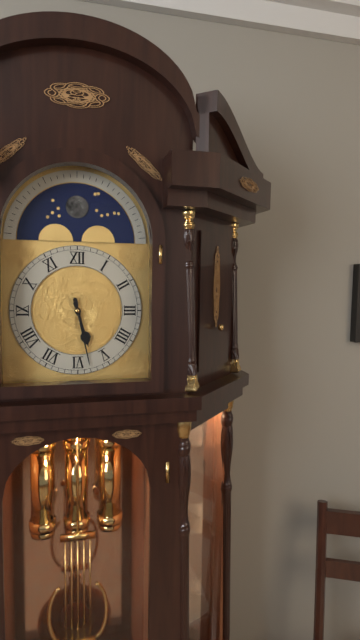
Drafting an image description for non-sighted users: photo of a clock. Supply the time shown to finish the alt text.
5:28
